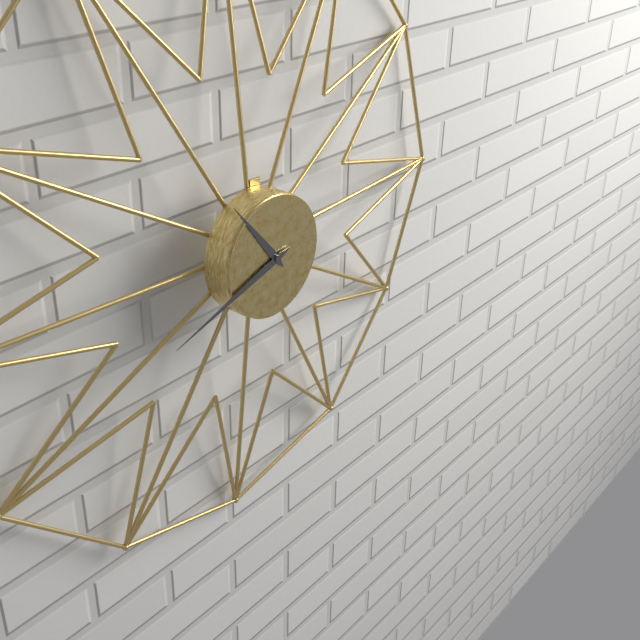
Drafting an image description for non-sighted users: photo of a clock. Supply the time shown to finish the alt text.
10:42
